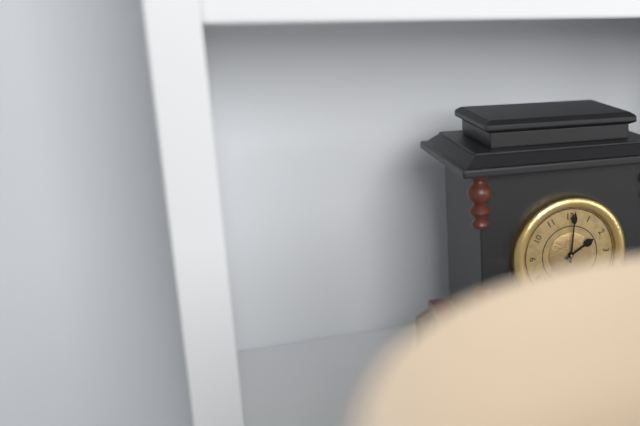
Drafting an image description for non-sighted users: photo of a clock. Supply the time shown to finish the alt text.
2:01
